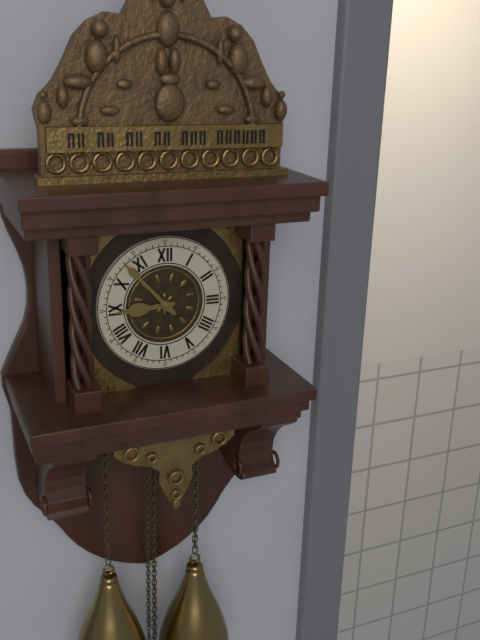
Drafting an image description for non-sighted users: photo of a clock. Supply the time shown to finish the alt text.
8:53
